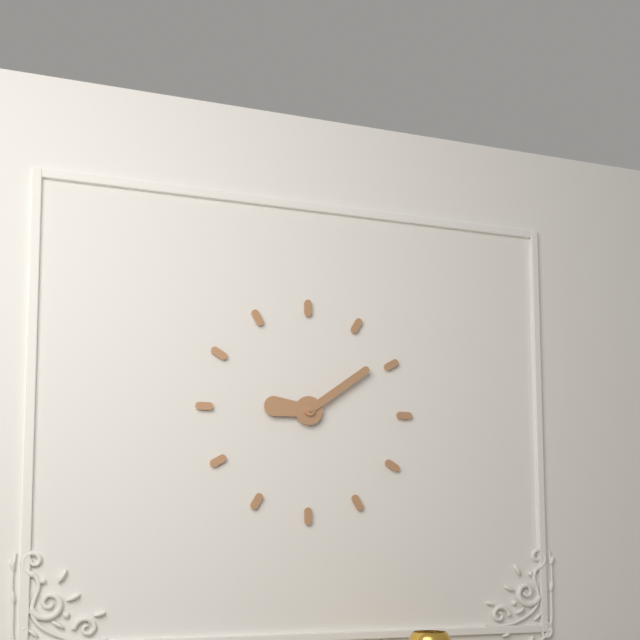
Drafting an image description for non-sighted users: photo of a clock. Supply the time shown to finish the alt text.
9:09
